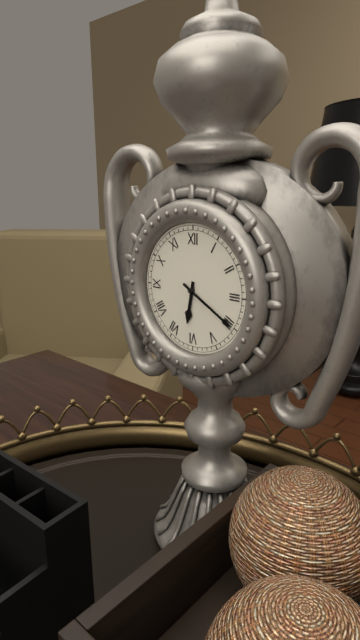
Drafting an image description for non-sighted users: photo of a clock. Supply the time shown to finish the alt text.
6:20
